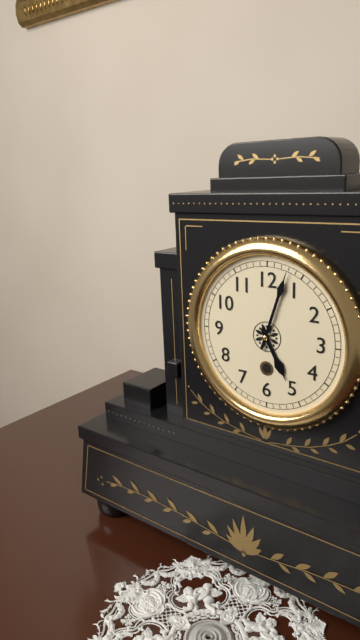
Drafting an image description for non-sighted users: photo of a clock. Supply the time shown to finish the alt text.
5:03
